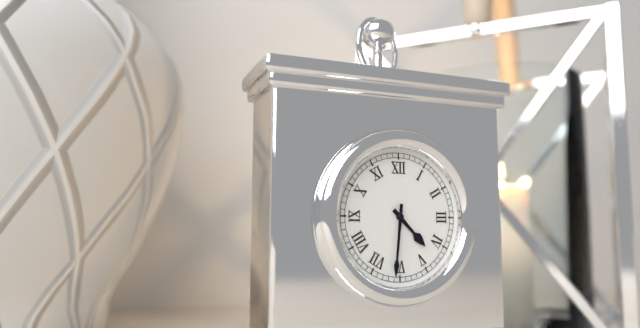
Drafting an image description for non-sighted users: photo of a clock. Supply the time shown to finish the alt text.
4:31
